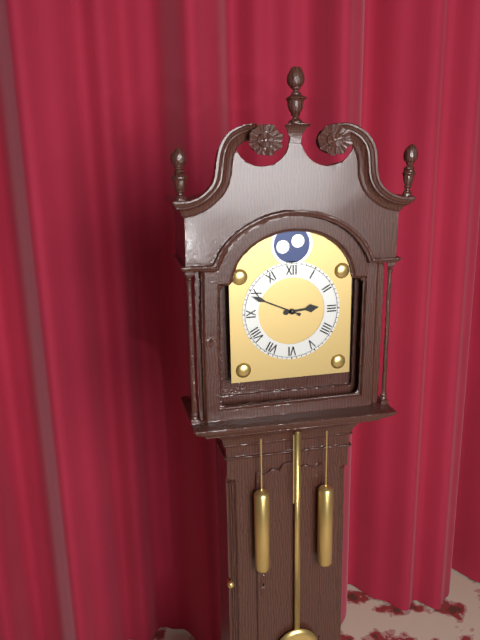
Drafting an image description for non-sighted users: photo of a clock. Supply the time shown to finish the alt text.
2:49
